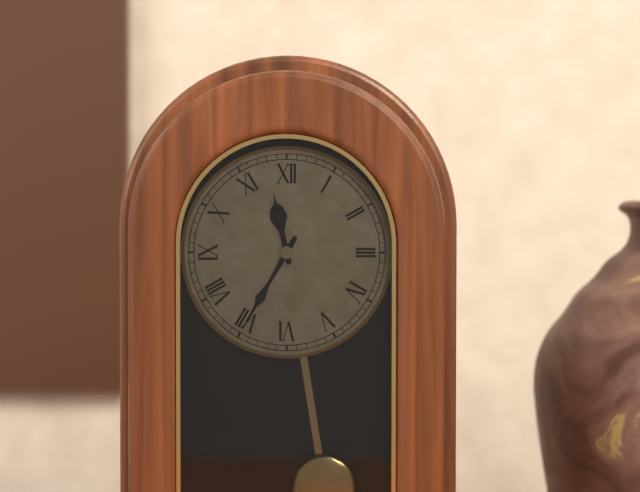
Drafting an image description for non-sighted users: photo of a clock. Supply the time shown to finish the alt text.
11:35
